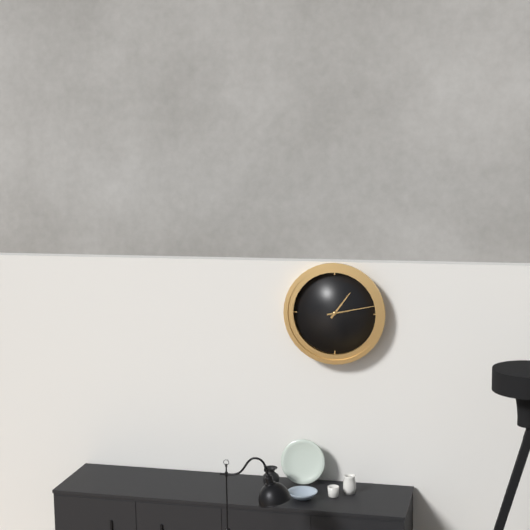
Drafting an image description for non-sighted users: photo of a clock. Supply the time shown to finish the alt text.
1:13
